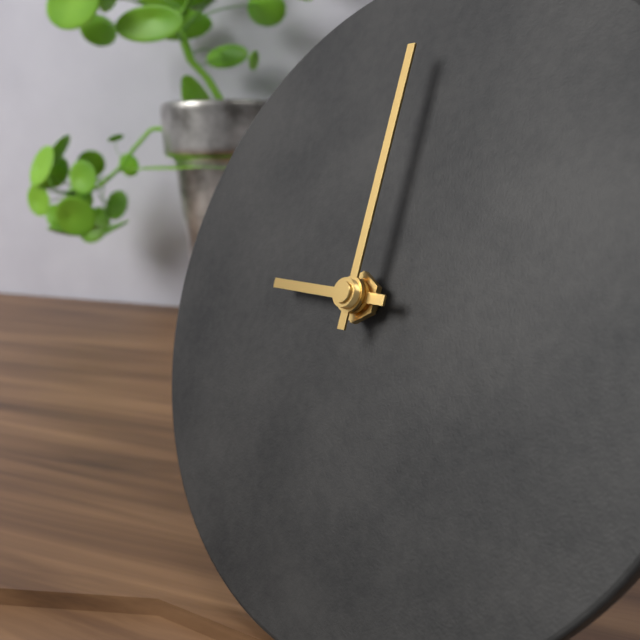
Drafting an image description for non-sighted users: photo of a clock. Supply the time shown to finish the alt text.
9:00
